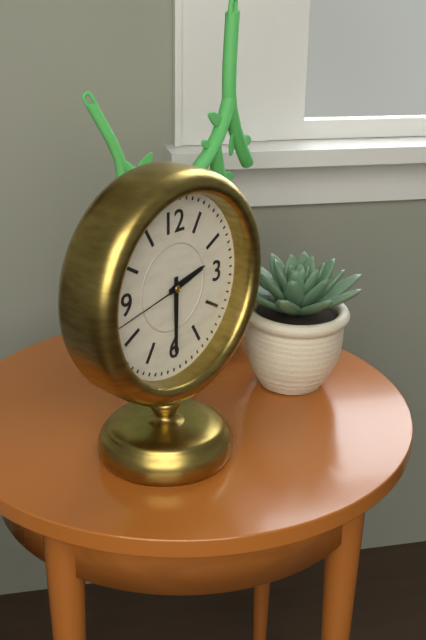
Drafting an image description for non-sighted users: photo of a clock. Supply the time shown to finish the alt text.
2:30:43
